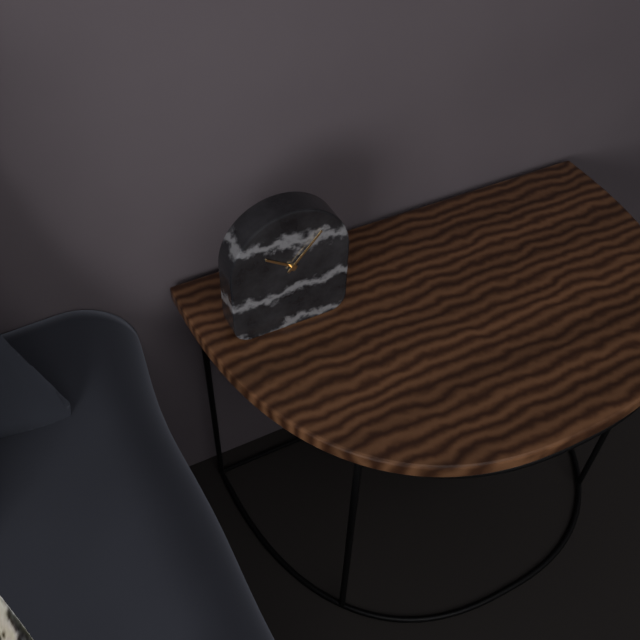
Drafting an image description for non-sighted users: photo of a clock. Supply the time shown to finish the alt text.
10:07
